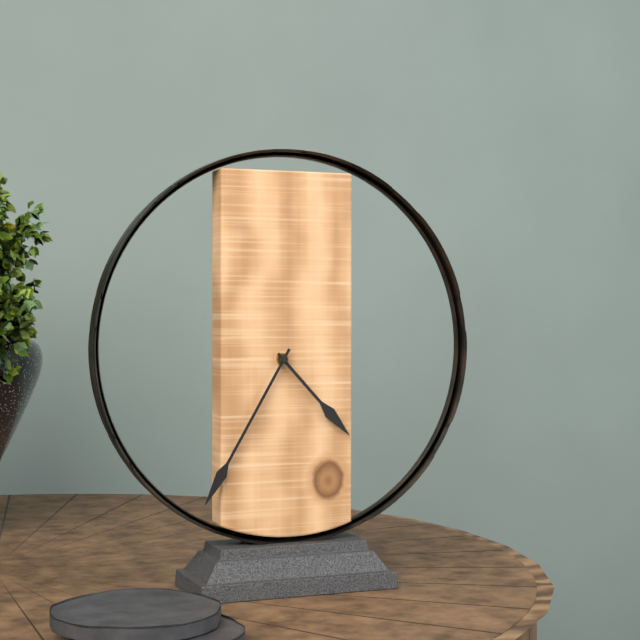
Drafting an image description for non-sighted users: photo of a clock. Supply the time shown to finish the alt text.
4:35
